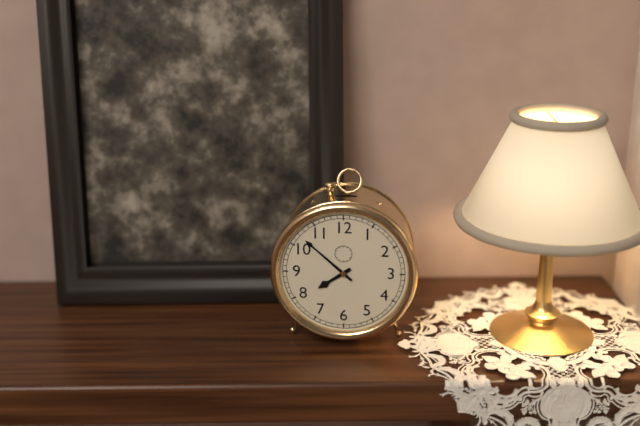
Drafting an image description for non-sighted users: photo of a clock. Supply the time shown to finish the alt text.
7:52
